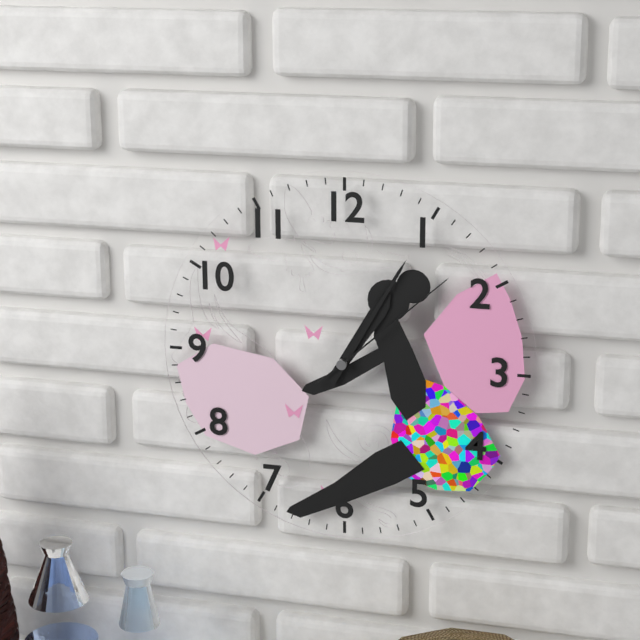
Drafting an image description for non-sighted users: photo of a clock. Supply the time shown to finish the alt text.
1:05:08
